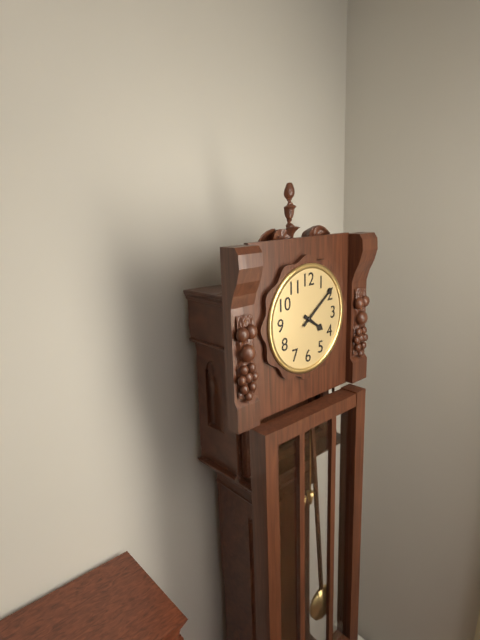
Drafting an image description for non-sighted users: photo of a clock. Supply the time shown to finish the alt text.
4:09
